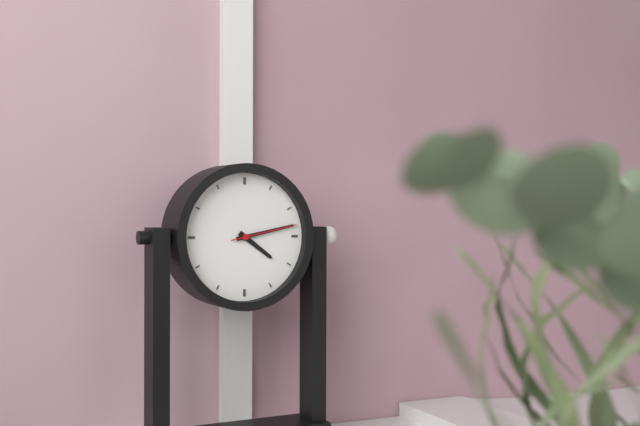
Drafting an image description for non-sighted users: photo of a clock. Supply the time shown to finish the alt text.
4:13:13
